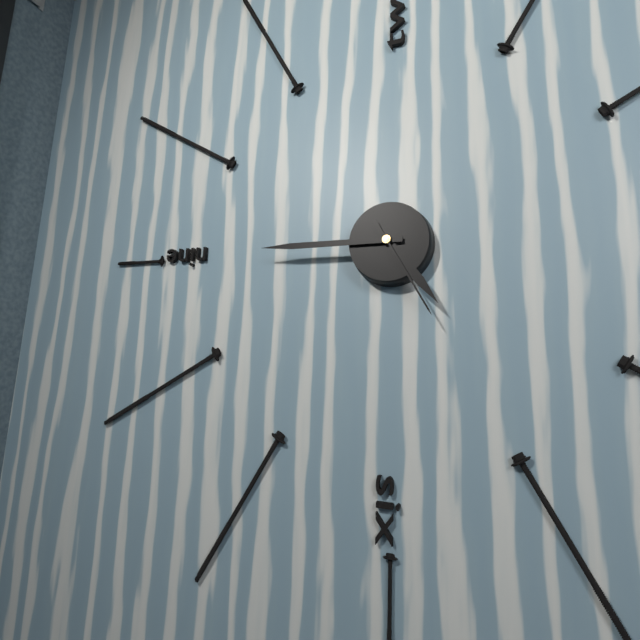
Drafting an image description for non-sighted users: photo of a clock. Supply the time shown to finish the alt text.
4:45:25
